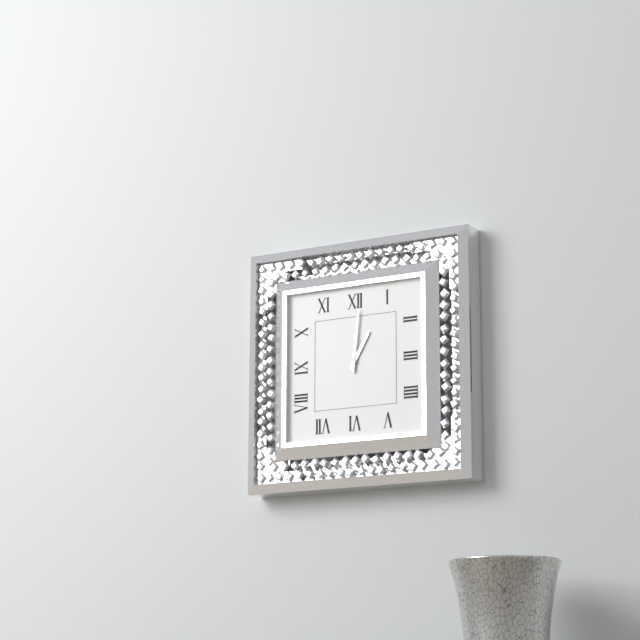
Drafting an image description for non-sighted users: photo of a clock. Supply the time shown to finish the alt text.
1:01
